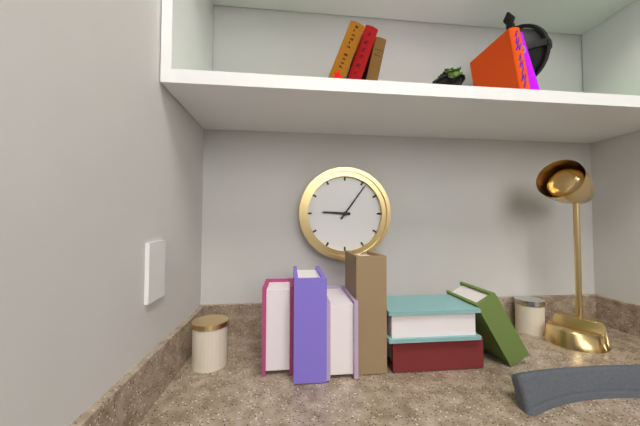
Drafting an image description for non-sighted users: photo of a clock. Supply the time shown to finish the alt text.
9:06
